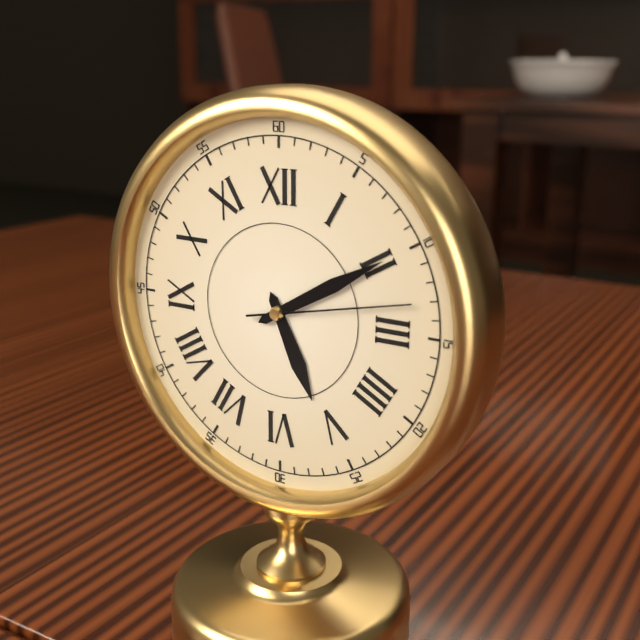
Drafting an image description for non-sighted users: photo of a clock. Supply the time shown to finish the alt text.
5:10:13
